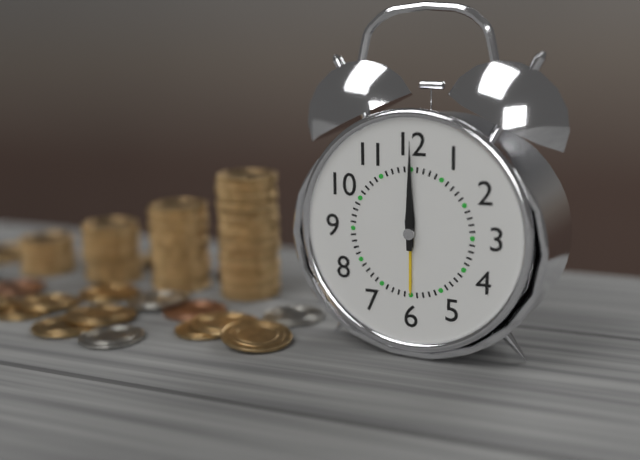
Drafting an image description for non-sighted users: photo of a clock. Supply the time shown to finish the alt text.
12:00
